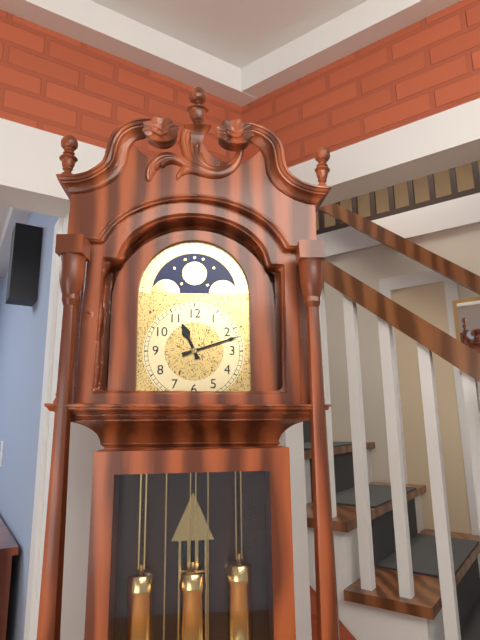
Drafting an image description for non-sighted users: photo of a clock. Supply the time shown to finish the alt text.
11:12
